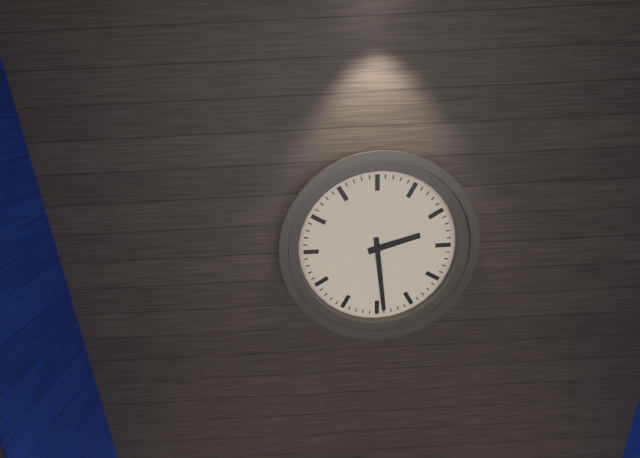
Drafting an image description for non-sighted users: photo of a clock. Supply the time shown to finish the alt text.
2:29
